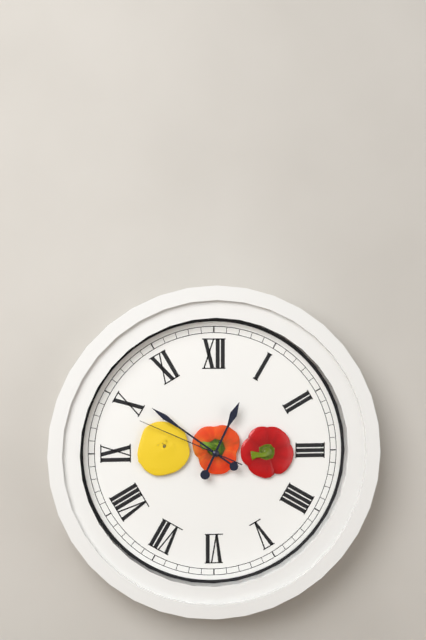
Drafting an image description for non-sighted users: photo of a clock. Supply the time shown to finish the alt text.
12:51:49
